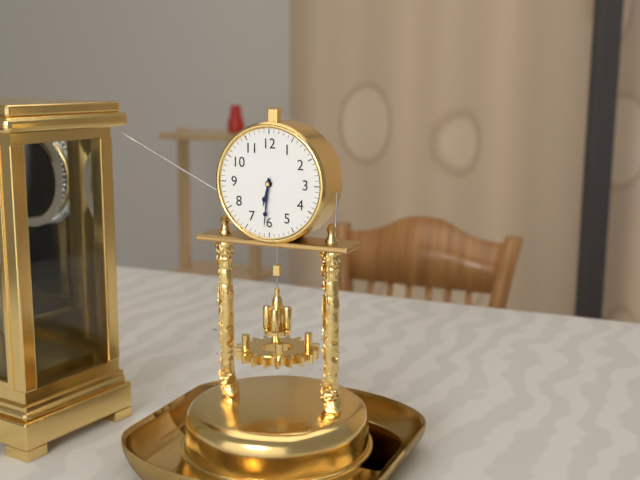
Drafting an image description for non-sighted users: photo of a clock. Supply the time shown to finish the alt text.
6:31
